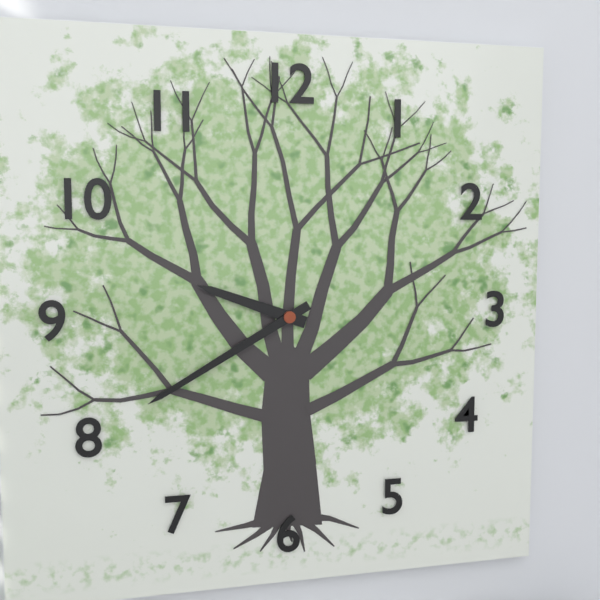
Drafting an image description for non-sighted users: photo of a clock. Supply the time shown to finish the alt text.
9:40
